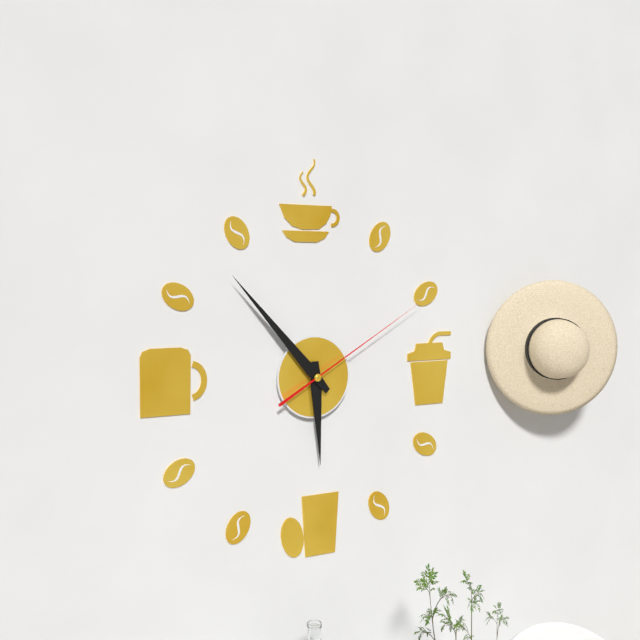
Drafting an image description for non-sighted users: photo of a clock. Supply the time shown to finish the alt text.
5:53:10
